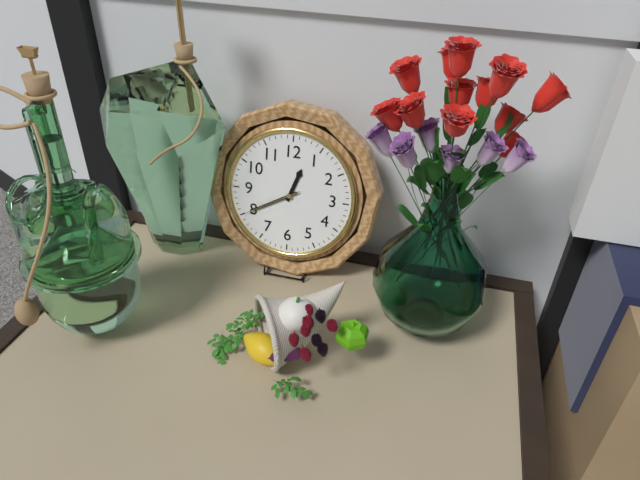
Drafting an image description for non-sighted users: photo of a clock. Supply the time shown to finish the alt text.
12:40:40
